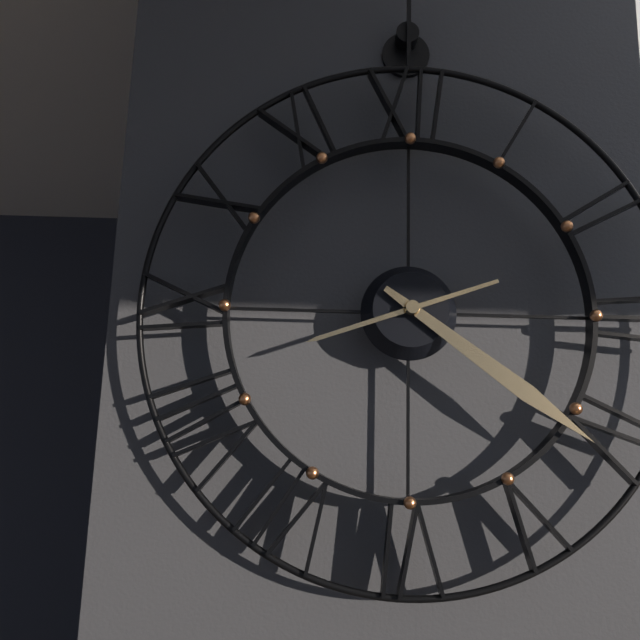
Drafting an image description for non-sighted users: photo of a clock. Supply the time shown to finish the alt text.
8:21
